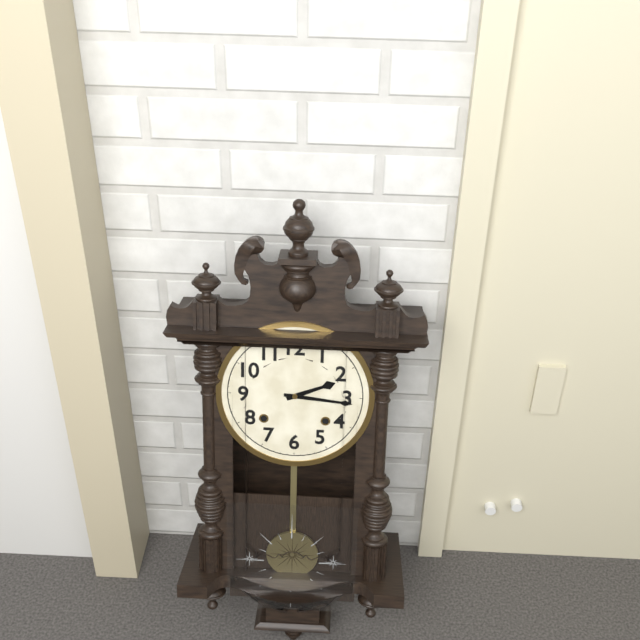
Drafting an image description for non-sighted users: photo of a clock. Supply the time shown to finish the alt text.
2:16
